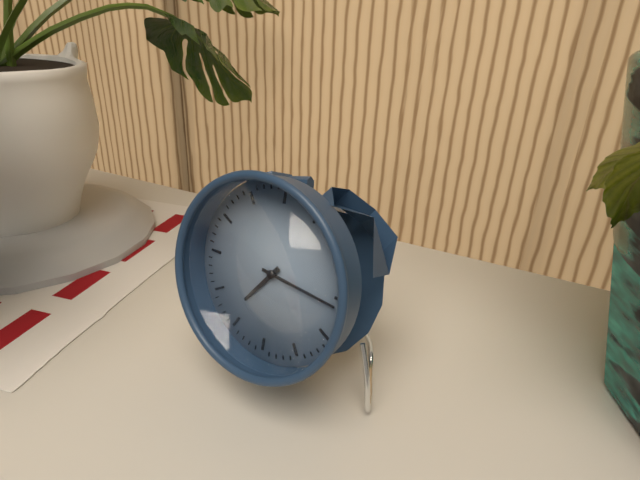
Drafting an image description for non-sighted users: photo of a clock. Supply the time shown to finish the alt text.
7:16
